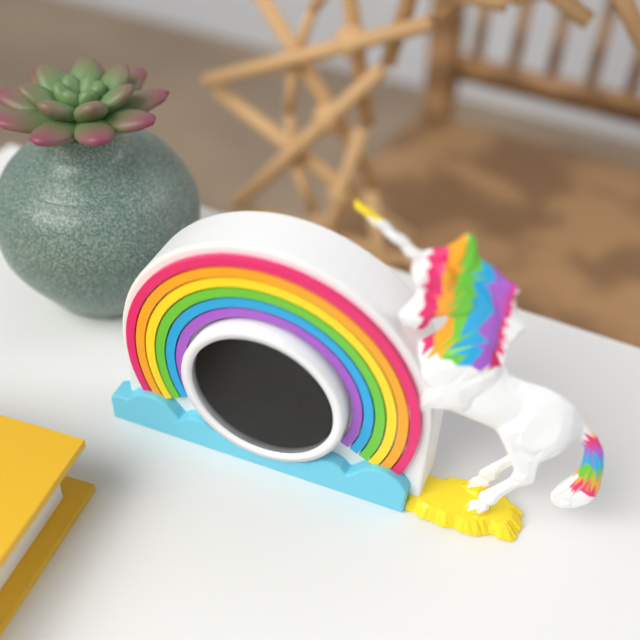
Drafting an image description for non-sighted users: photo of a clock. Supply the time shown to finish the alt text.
5:23
